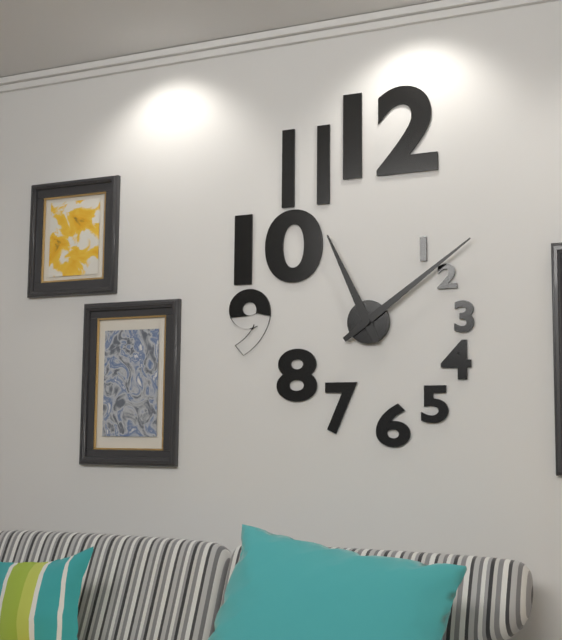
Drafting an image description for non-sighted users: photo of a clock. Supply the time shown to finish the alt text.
11:09
